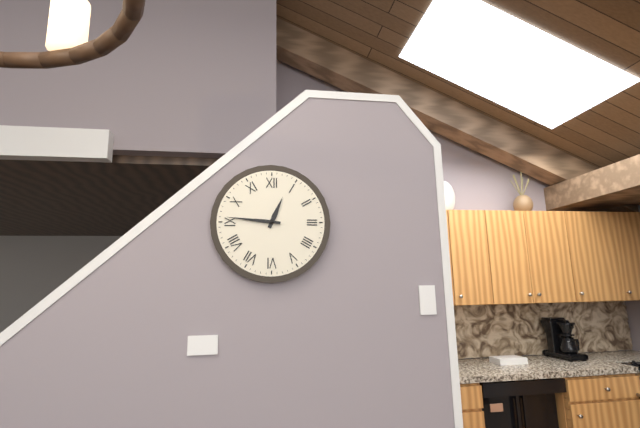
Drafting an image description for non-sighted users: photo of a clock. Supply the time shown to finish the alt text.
12:46
